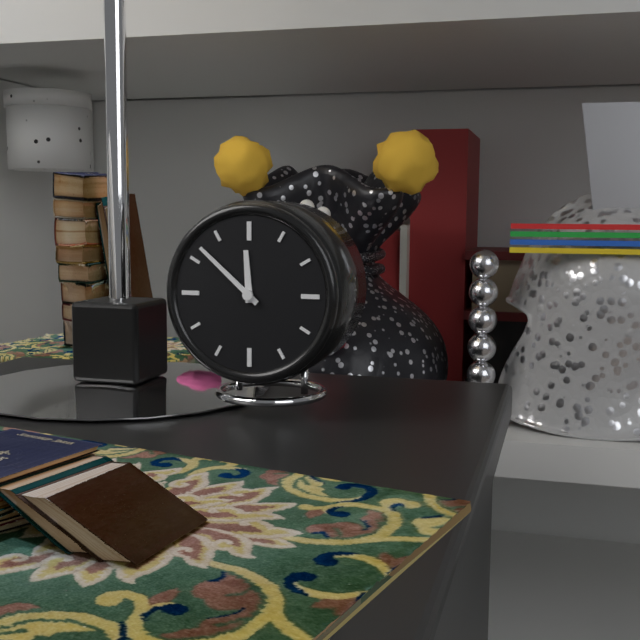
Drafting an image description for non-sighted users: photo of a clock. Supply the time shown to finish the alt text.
11:52
